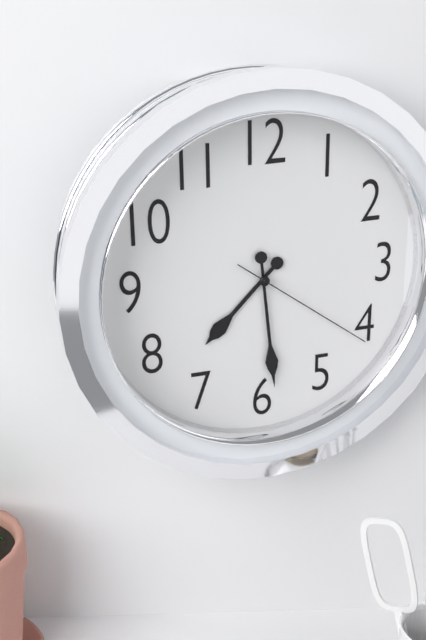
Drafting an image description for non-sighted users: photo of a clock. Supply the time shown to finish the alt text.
7:29:21
